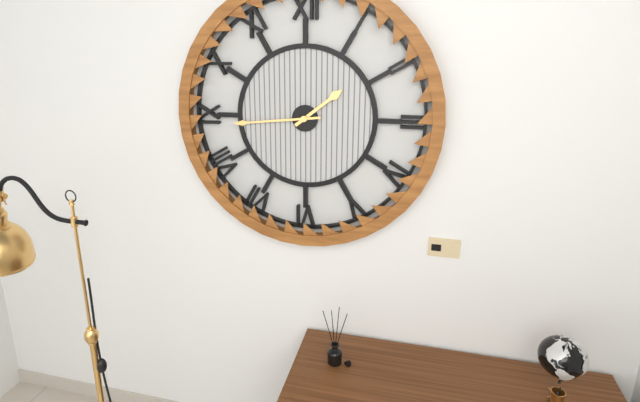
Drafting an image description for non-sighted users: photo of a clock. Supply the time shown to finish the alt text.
1:44
